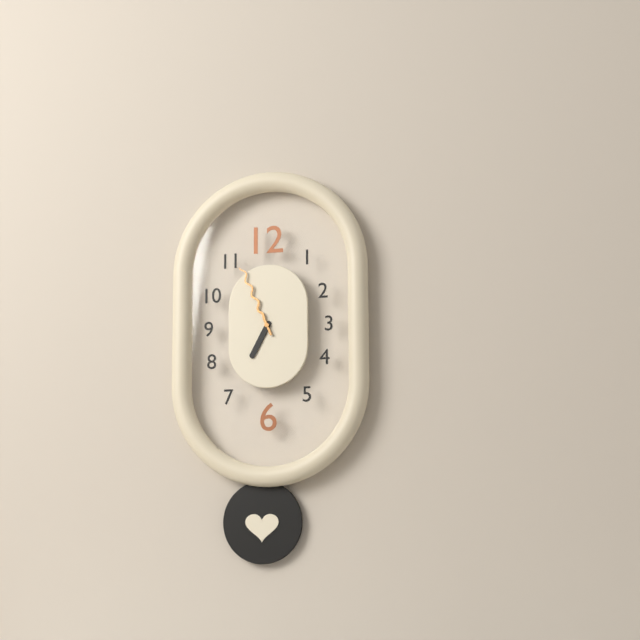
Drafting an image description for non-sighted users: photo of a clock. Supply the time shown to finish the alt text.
6:56
